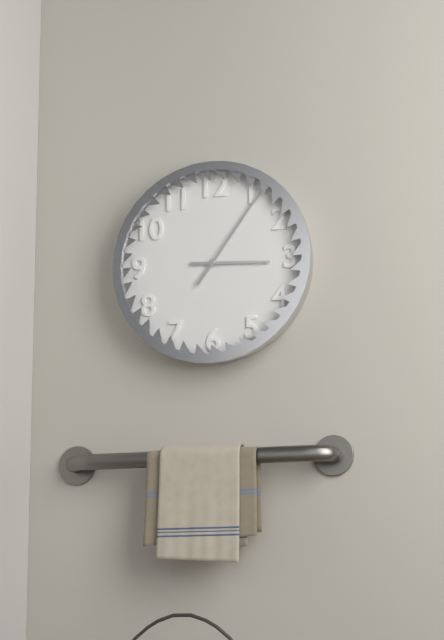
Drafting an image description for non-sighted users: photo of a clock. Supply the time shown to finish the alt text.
3:06
